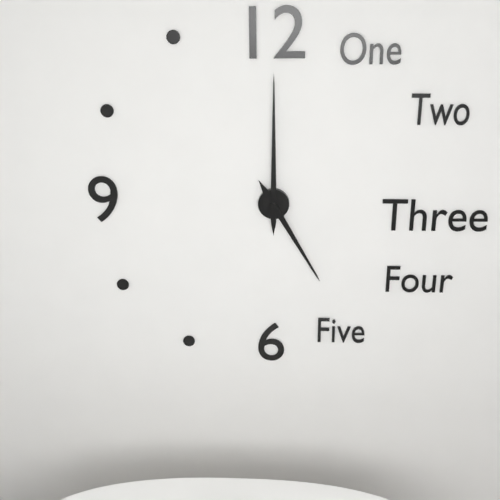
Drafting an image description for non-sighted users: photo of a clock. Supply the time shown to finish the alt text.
5:00
